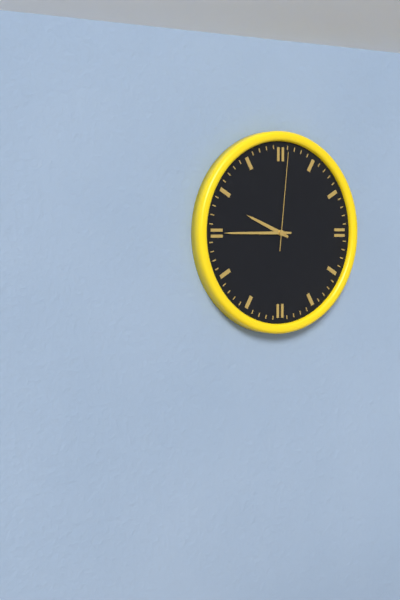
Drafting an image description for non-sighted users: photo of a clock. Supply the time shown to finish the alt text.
9:45:01
